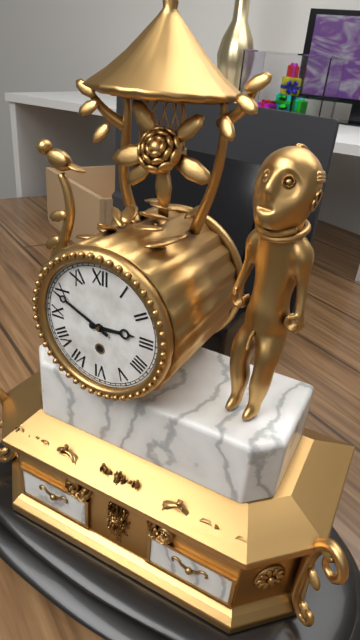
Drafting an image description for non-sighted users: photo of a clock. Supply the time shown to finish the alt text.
2:49
